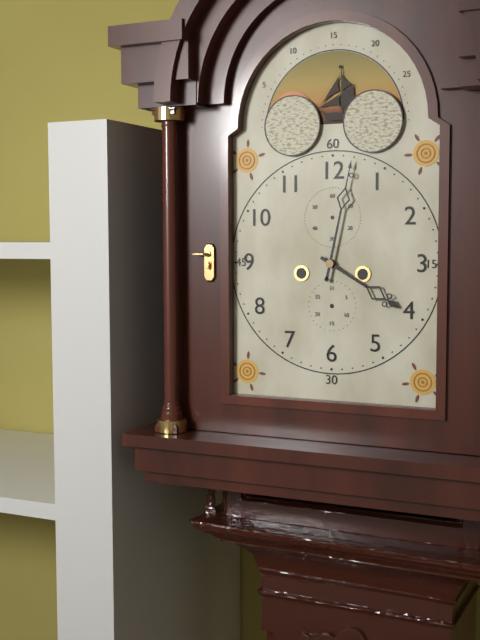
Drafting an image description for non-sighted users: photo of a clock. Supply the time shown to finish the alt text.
4:02
